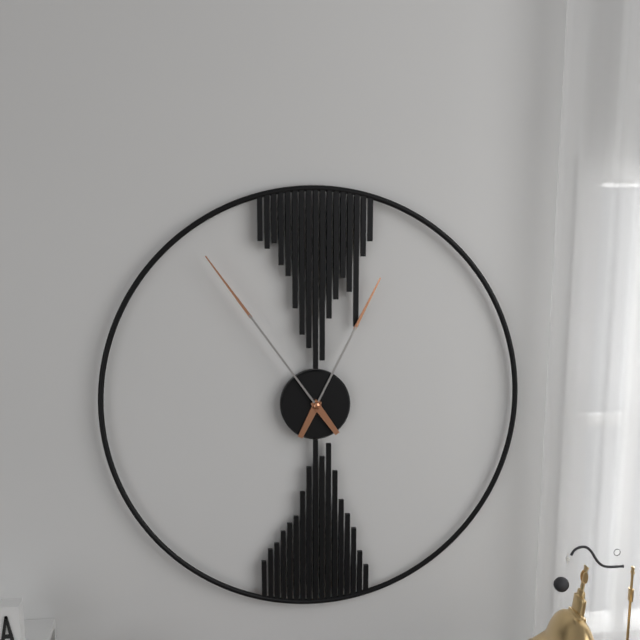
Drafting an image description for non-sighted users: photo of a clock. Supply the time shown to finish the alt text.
12:54
